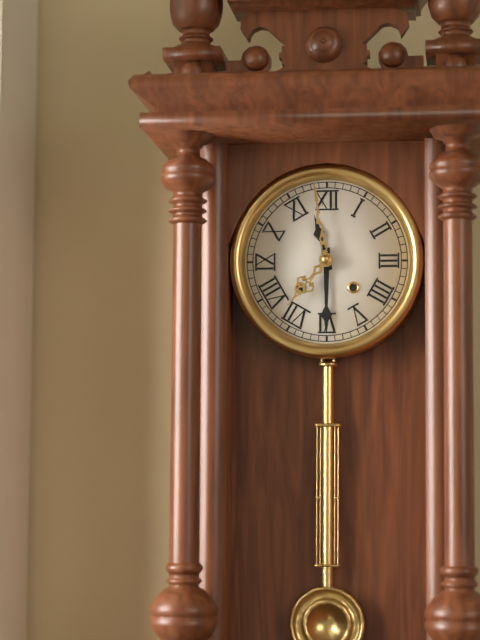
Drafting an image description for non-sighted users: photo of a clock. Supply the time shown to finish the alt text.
11:30
